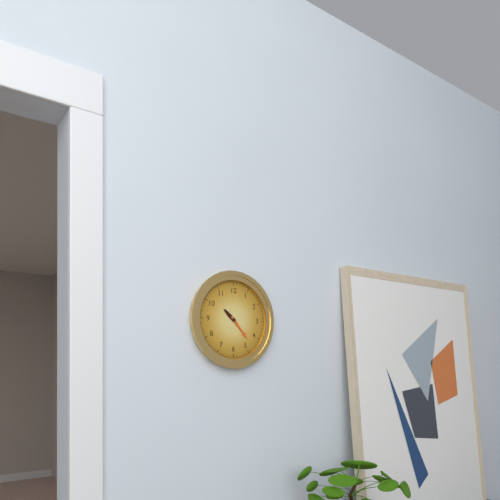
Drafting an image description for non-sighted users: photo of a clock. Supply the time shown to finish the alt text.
10:23
